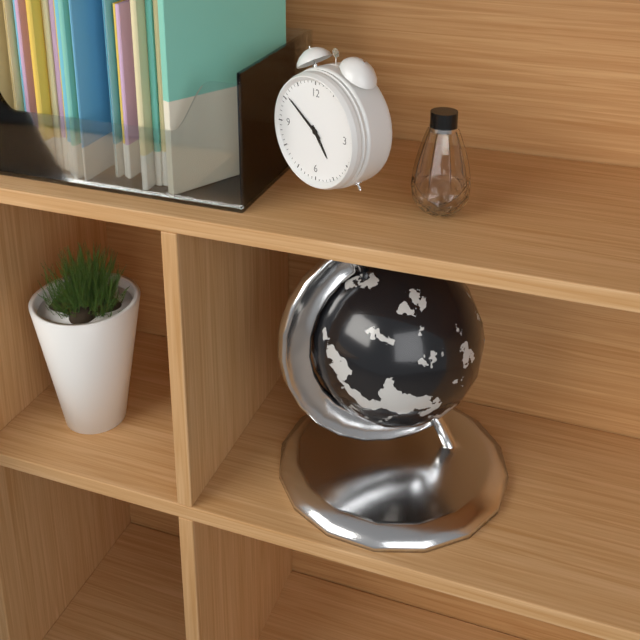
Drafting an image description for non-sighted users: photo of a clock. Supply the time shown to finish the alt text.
4:51
